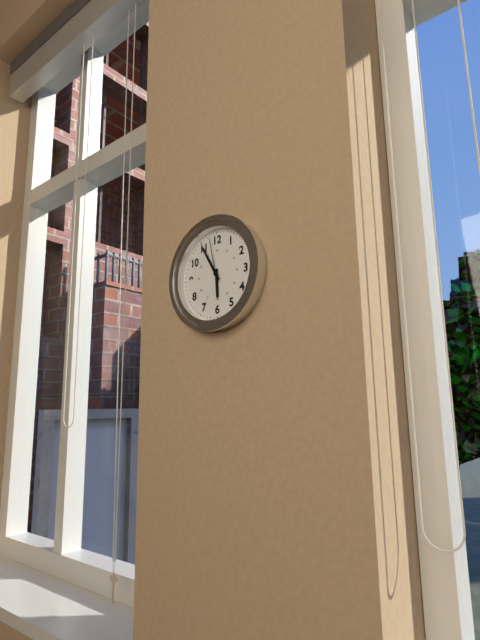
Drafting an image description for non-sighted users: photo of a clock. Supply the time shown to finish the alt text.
5:55
